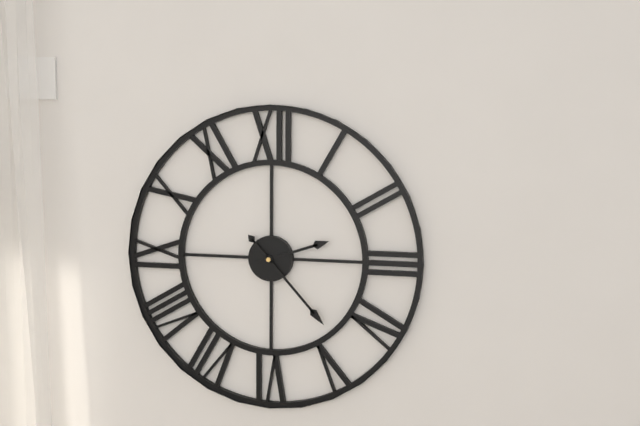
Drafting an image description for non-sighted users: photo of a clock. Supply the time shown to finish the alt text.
2:23
